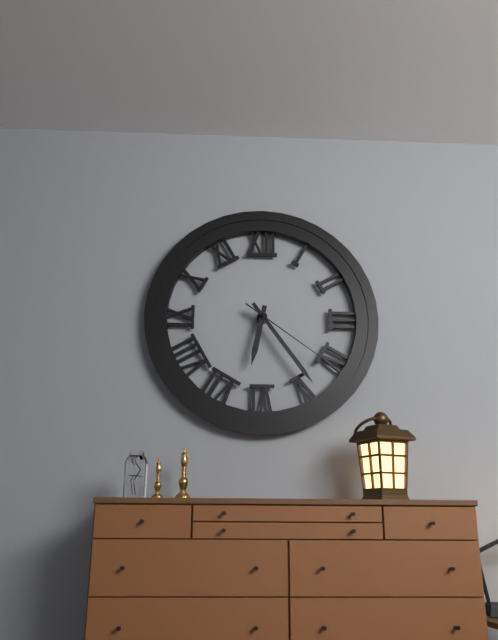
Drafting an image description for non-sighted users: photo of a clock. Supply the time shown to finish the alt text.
6:24:21
